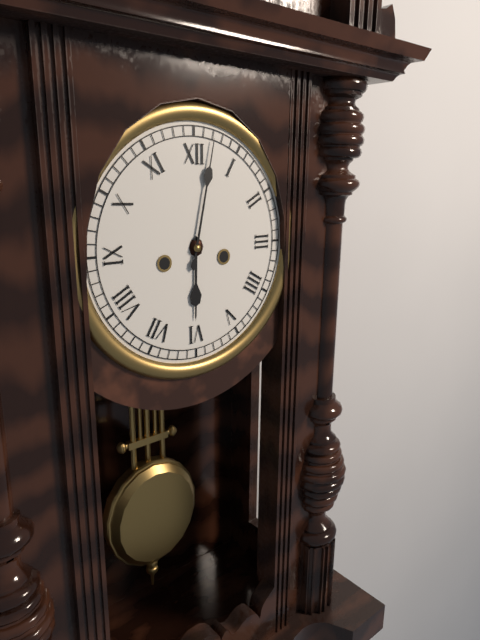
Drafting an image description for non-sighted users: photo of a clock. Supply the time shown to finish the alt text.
6:02
